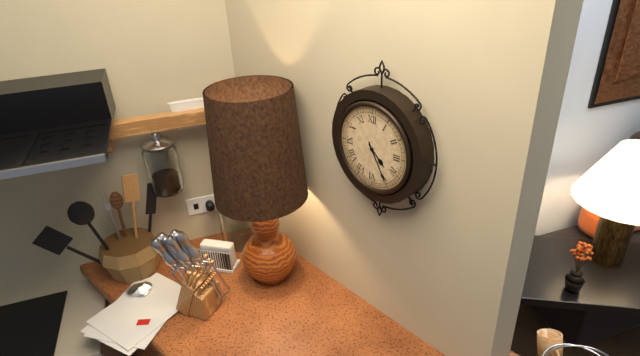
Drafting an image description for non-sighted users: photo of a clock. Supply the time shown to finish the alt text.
4:25
